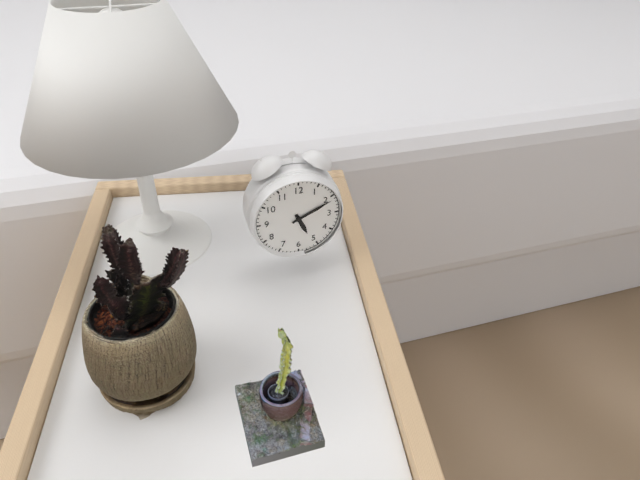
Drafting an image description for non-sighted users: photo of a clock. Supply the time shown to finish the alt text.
5:11
